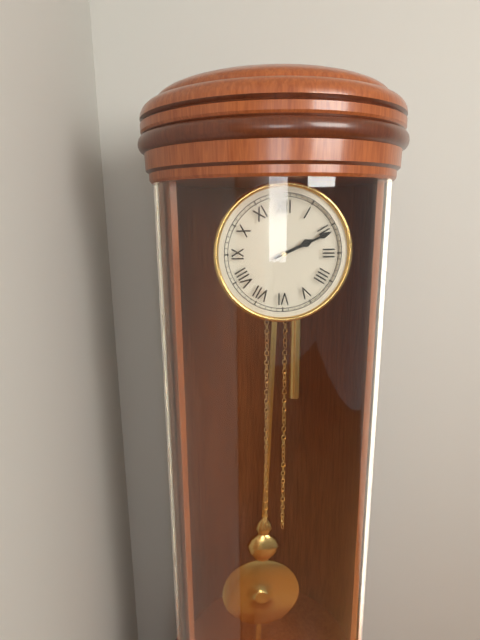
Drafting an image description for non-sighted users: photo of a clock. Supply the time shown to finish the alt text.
2:11
